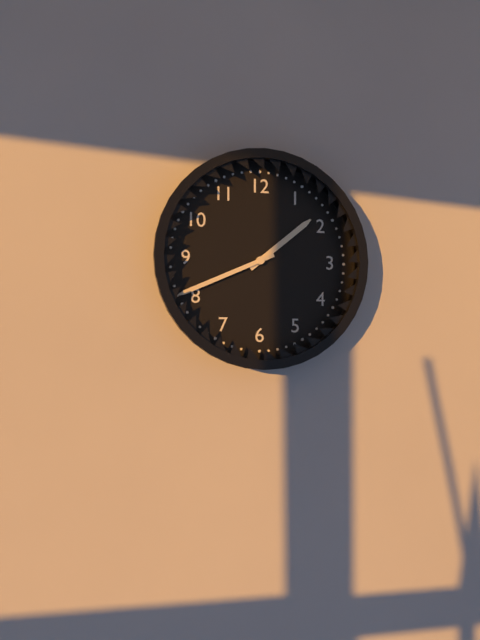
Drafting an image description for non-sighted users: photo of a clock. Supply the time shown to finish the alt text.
1:41
